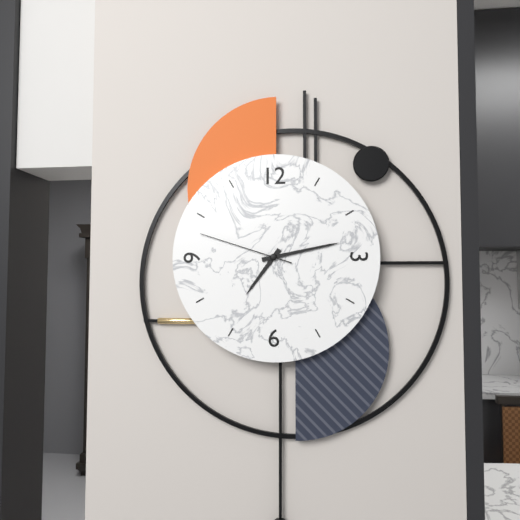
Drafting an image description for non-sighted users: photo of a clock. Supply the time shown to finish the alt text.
7:13:48
